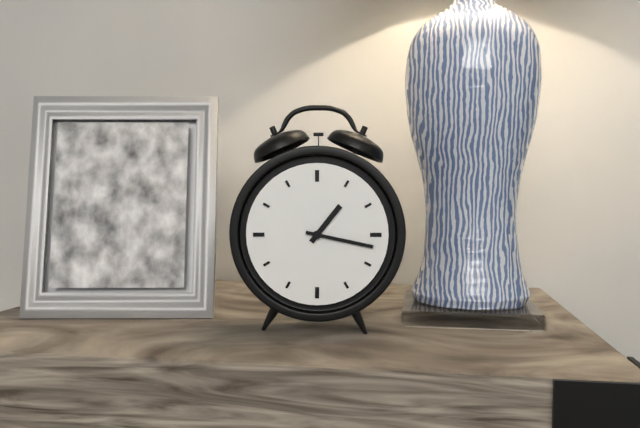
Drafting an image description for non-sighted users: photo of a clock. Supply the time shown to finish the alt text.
1:17
